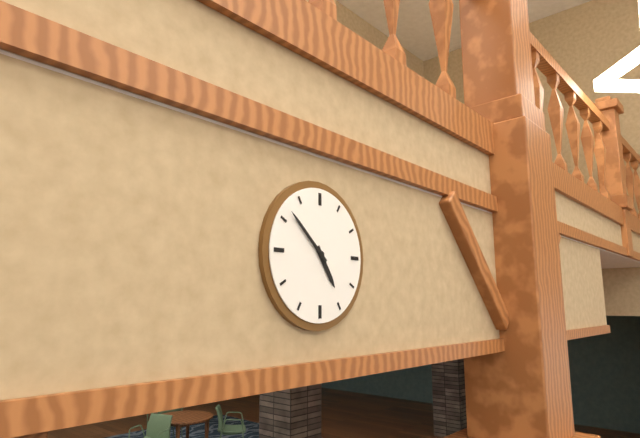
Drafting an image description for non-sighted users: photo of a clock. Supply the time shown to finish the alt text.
4:52
